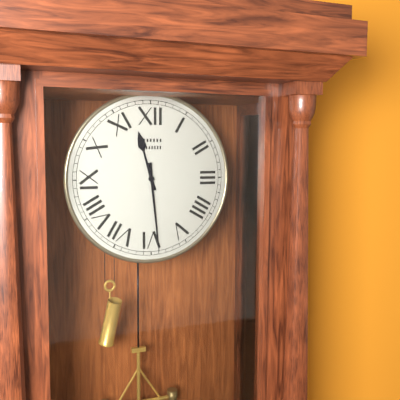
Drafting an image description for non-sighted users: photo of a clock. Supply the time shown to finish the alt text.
11:29
